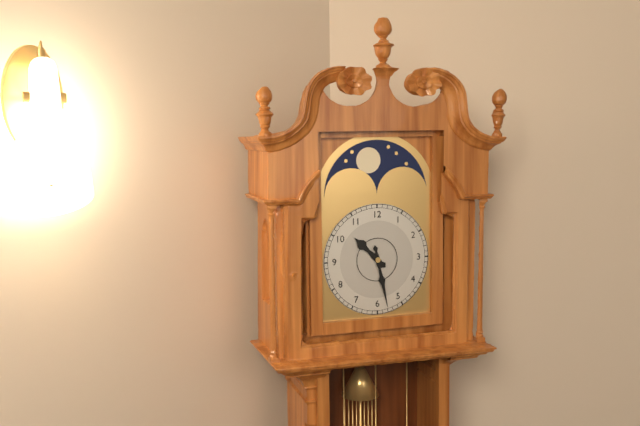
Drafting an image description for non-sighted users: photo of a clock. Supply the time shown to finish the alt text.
10:28
